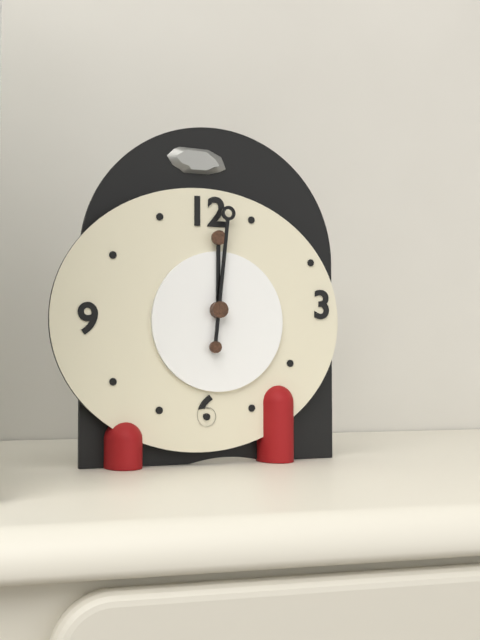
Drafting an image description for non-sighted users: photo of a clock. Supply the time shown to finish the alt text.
12:01
